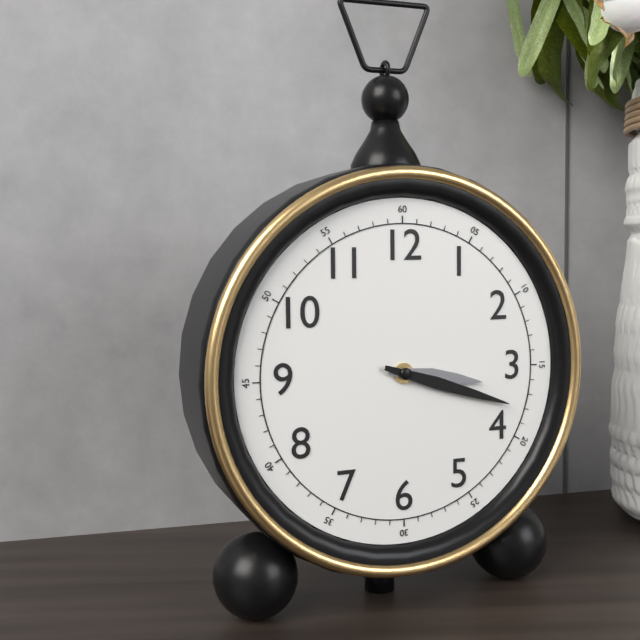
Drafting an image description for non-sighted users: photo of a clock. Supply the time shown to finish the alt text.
3:18
